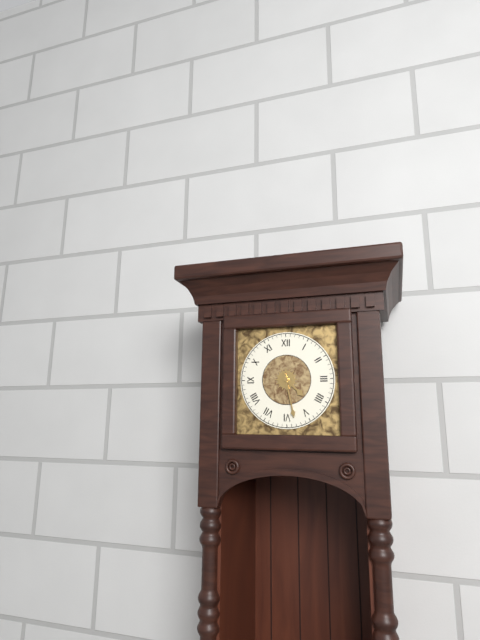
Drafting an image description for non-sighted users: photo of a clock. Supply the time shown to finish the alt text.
4:28
